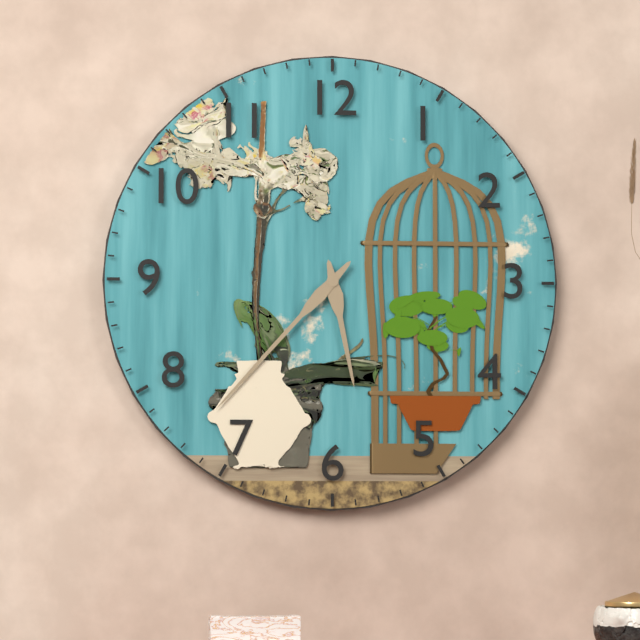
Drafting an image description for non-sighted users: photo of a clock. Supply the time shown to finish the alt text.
5:37
